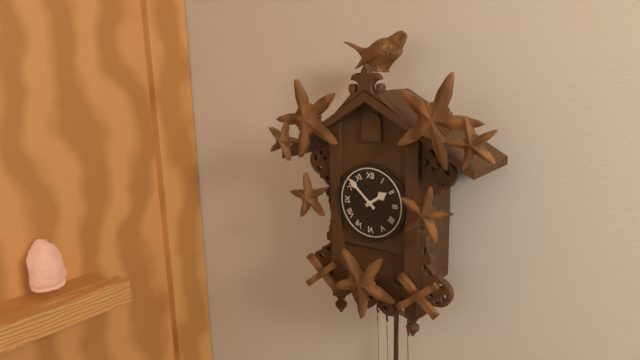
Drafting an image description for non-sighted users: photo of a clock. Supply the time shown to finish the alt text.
1:52
